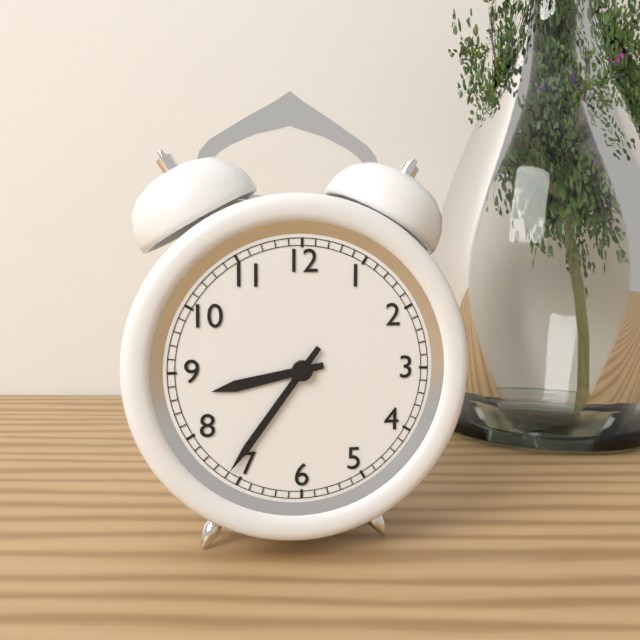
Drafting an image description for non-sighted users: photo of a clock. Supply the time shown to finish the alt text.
8:36
